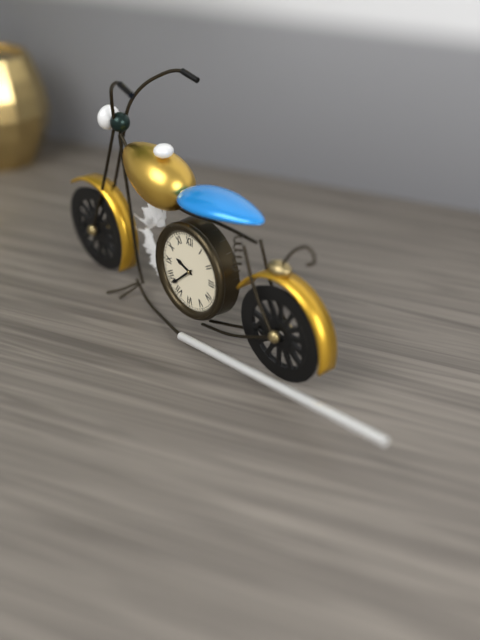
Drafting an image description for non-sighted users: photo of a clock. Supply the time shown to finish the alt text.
9:38
